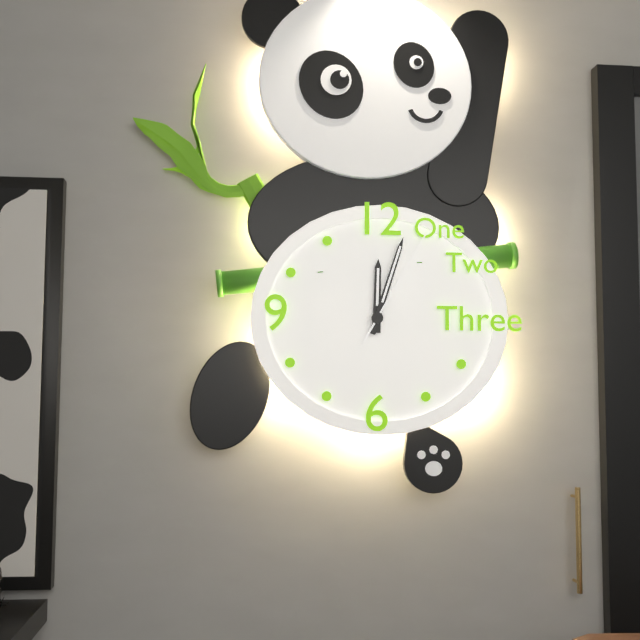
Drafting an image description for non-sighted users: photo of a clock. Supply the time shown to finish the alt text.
12:03:05
